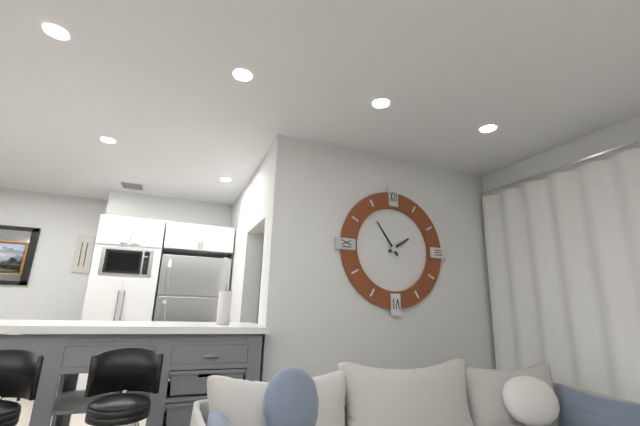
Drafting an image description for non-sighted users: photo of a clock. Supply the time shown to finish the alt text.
1:54
